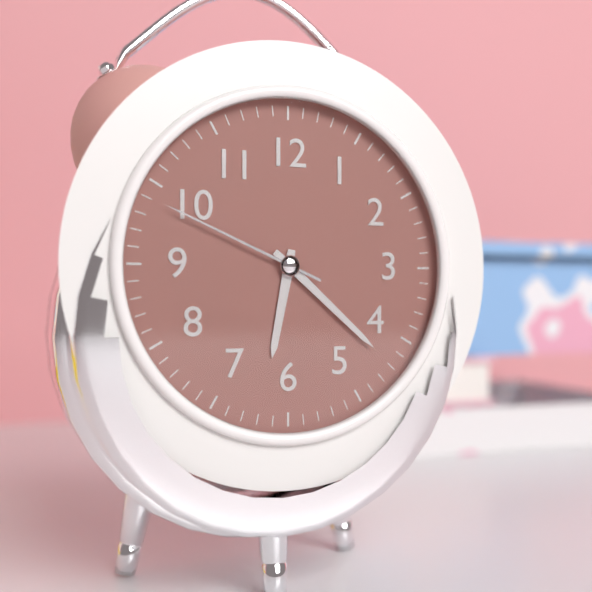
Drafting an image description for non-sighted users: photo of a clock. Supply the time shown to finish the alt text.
6:22:49
